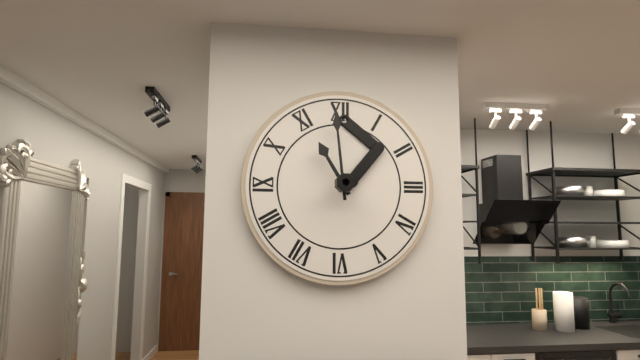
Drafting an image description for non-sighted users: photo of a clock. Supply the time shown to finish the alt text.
10:59
